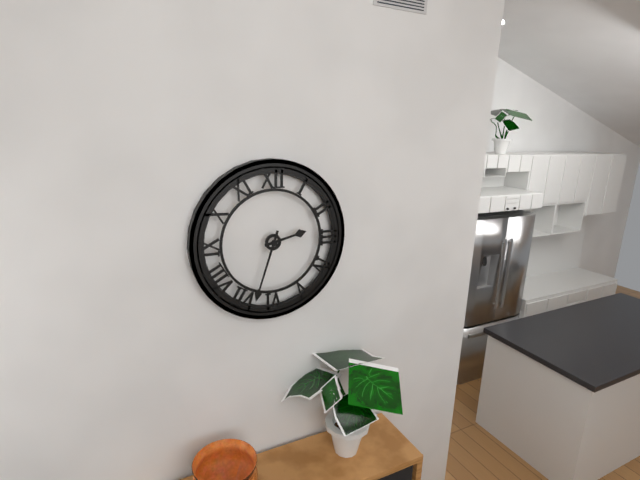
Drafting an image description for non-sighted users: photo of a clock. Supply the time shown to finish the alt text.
2:33
